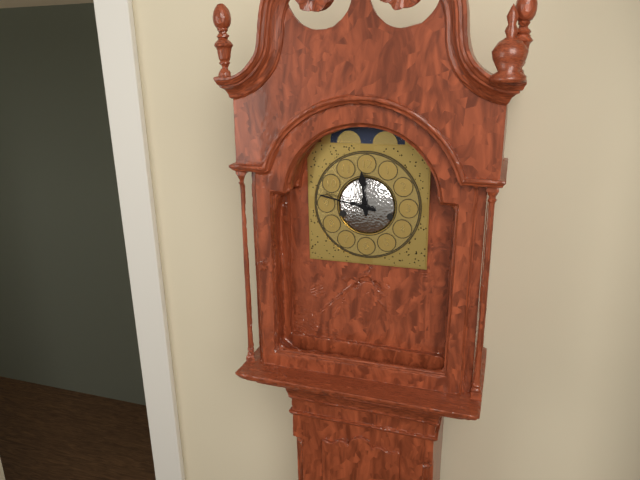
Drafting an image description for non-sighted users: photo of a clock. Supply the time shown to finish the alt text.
11:47
